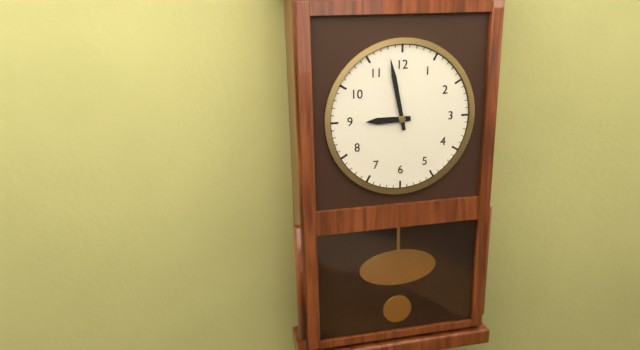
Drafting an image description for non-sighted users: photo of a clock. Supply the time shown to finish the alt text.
8:58
